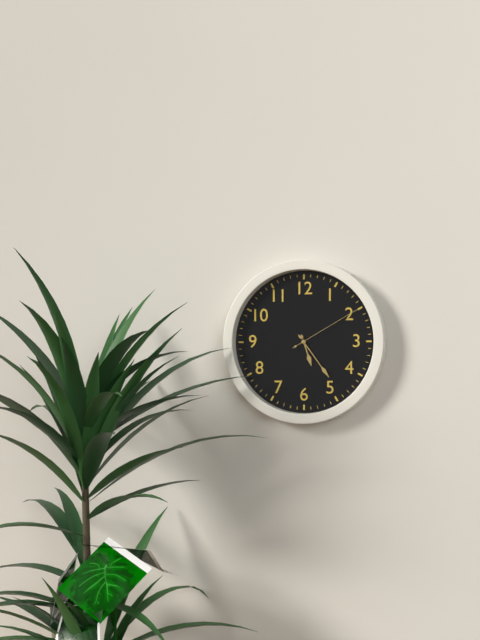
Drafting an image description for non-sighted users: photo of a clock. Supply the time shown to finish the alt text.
5:24:10
